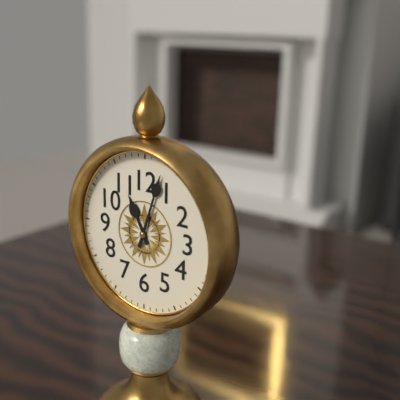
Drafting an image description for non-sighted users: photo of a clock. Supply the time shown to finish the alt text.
11:03
